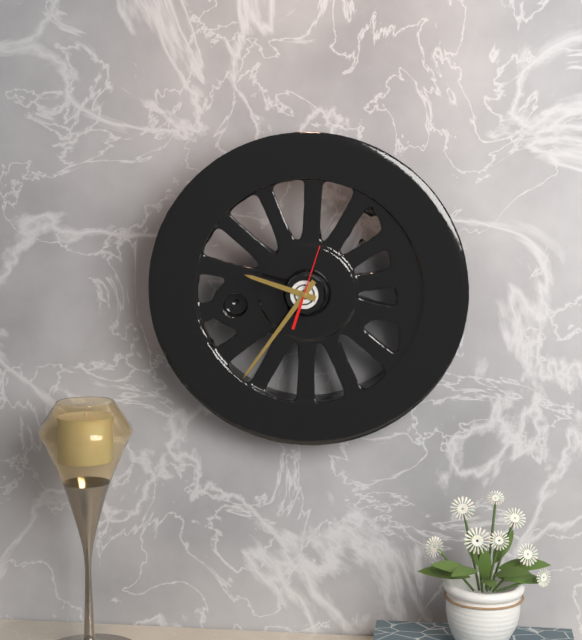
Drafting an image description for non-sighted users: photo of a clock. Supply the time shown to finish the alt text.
9:36:03
